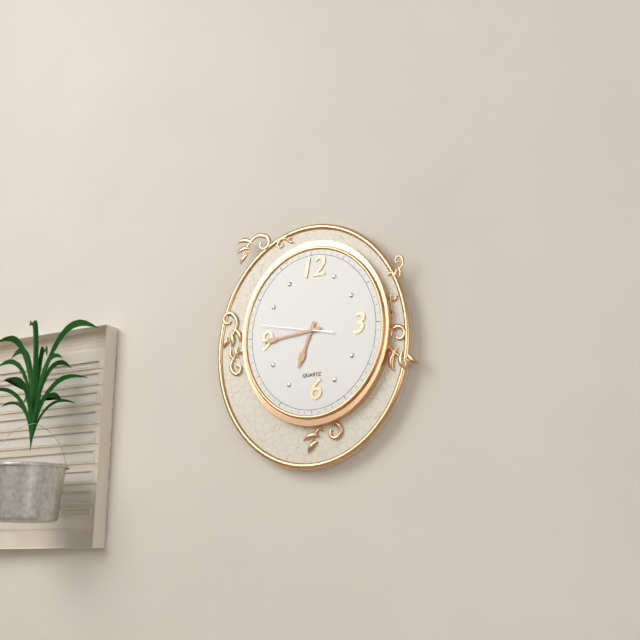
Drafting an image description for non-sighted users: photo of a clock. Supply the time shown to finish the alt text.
6:44:47
